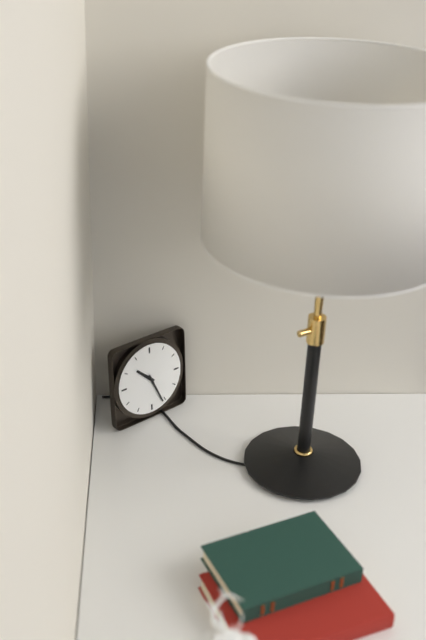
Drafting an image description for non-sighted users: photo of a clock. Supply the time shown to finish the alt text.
10:26
